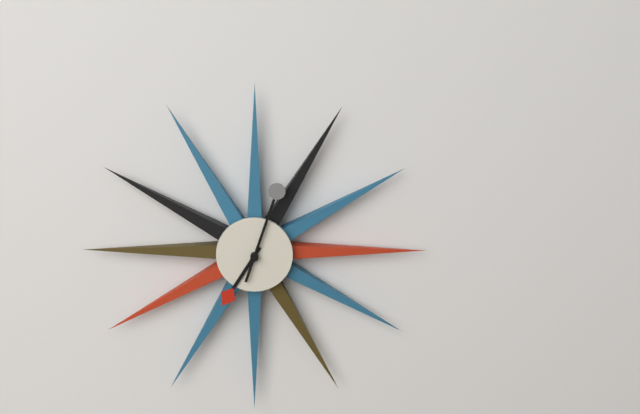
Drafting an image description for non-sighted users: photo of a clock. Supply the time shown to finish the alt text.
7:03
